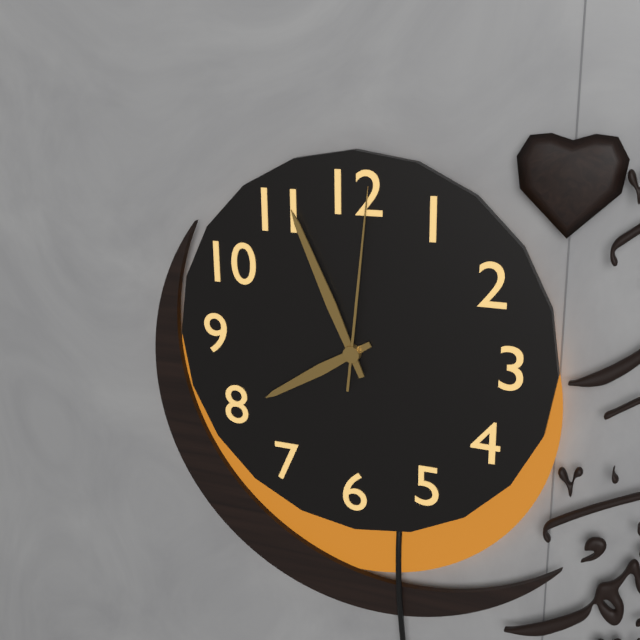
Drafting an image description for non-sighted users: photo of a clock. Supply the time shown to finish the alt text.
7:56:01
